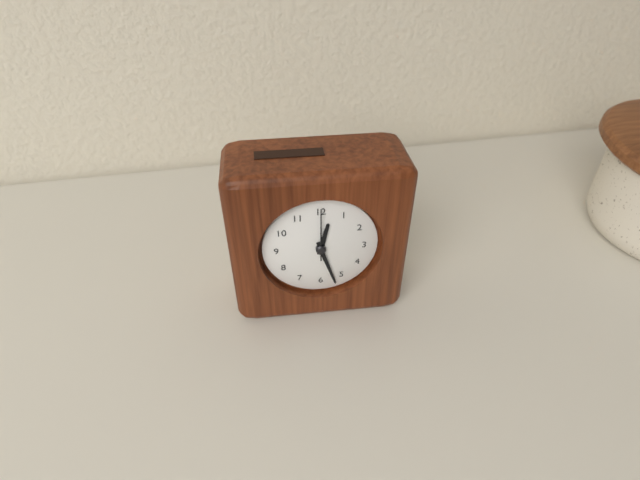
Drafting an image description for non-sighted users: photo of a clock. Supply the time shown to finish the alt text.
12:27
